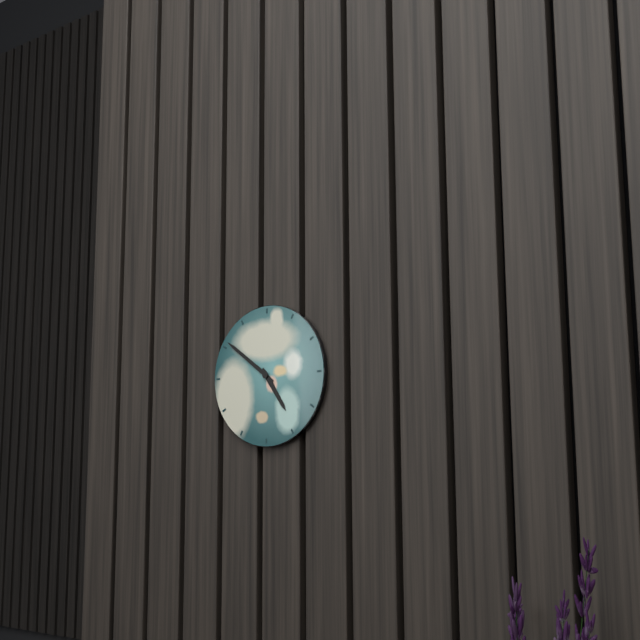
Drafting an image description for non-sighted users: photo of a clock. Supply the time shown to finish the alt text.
4:51
